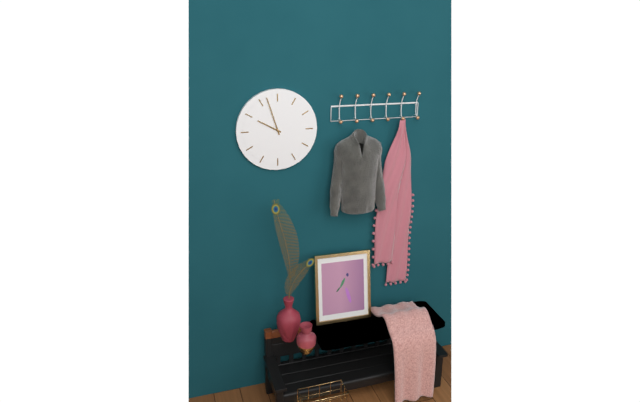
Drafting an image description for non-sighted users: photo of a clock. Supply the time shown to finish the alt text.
9:57
